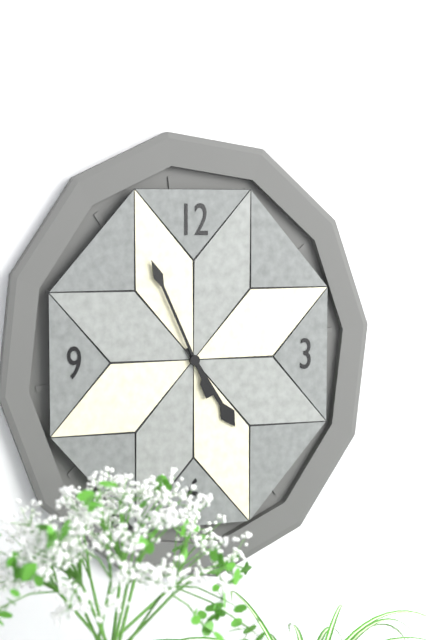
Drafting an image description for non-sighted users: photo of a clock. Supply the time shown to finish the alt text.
4:56
